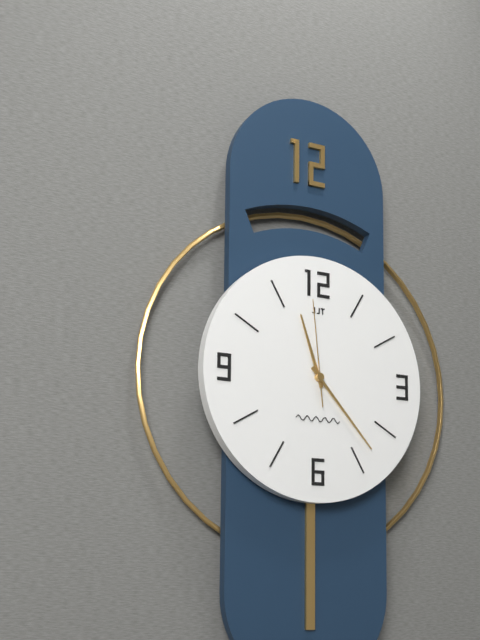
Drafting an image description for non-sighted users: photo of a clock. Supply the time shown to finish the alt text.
11:23:59
